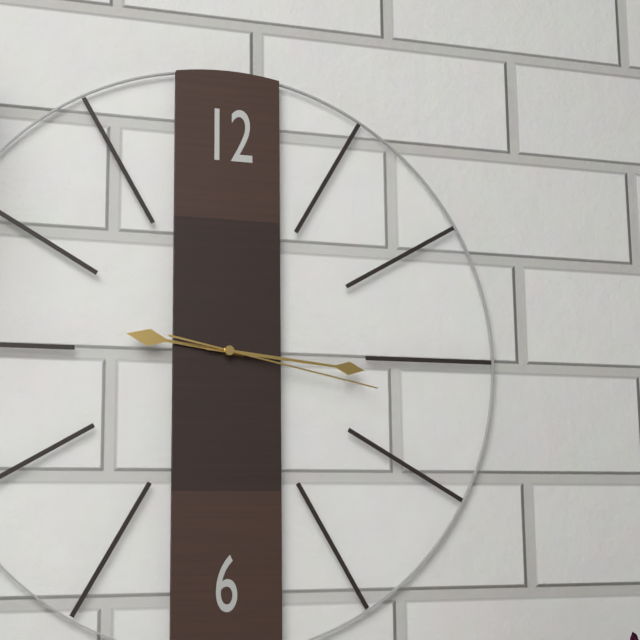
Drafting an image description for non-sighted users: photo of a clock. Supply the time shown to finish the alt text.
9:16:17
